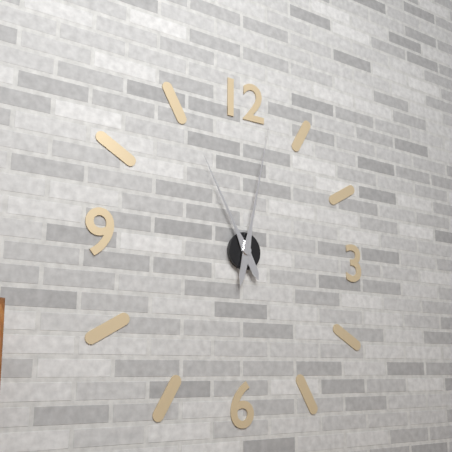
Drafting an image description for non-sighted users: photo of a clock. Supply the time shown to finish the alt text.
11:02
